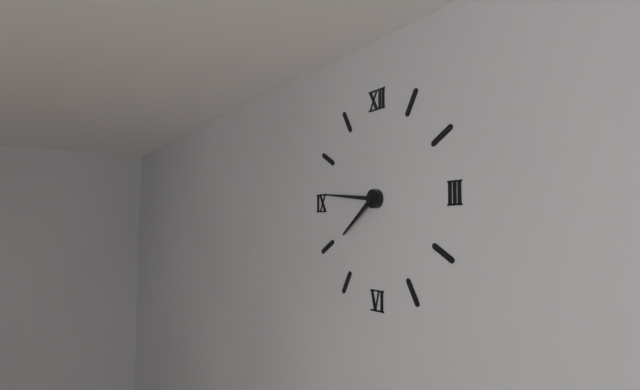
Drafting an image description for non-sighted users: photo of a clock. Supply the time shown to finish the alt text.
7:46
